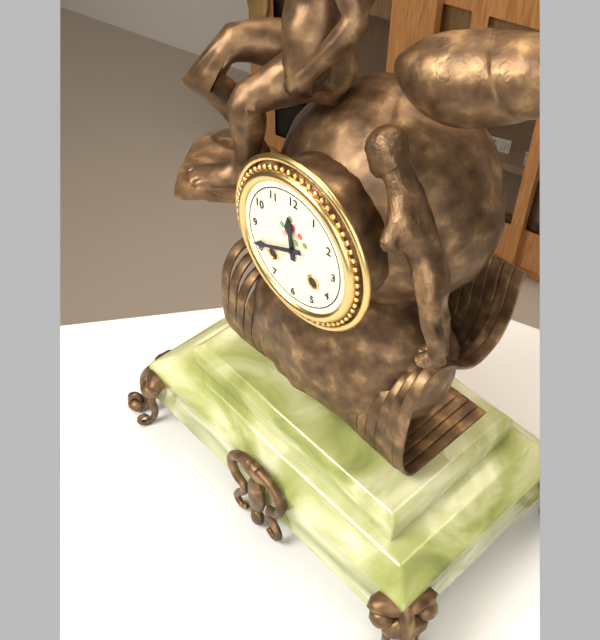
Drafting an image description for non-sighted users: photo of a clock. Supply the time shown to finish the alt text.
11:41
